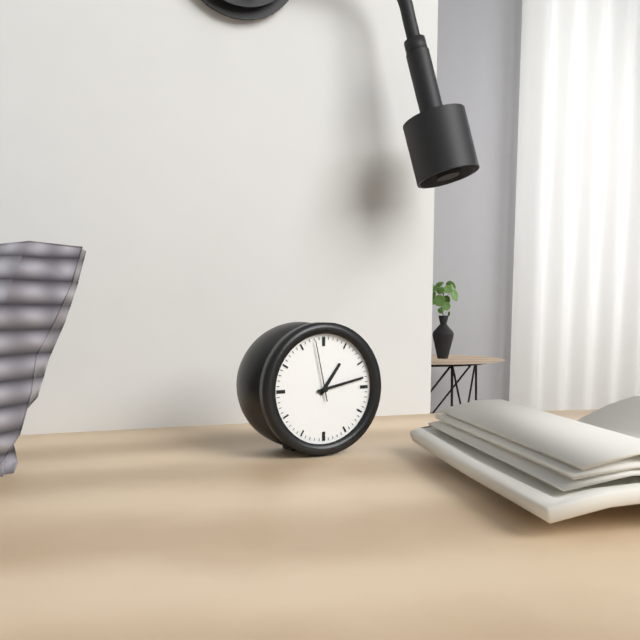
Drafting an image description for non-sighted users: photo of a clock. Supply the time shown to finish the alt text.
1:13:58
